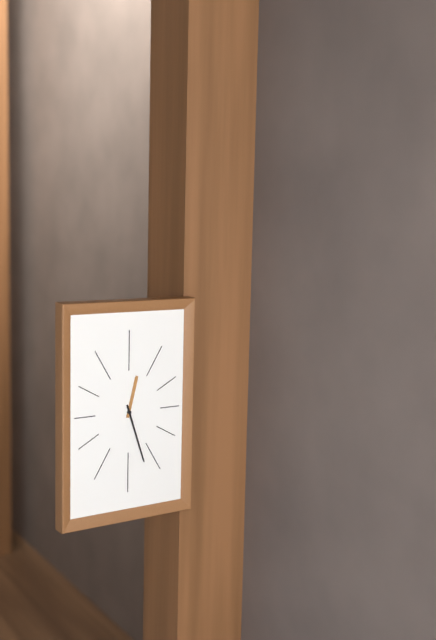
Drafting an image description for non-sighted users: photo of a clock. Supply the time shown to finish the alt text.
12:27
